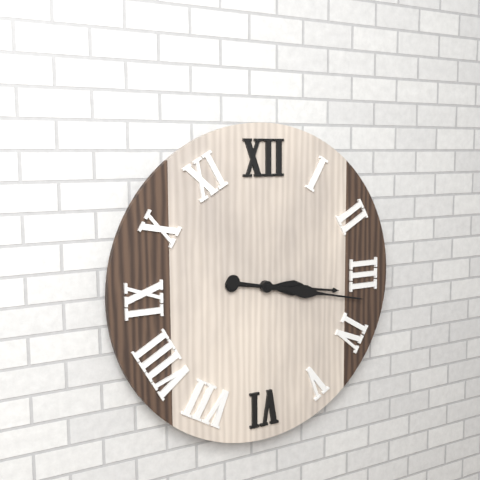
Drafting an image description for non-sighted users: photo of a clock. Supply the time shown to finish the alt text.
3:17
